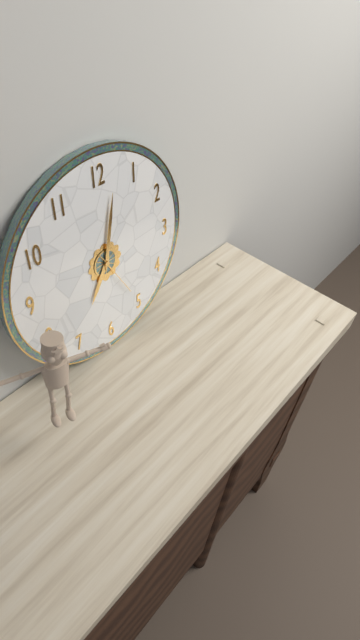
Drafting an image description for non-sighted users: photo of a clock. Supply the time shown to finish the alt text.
7:02
